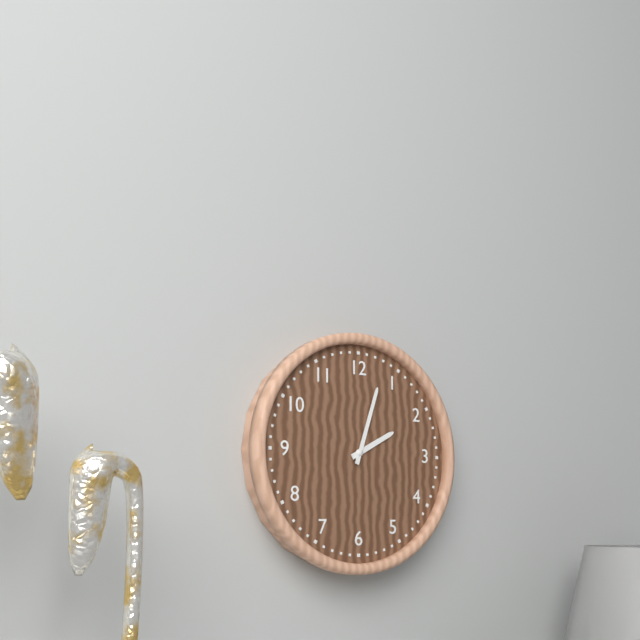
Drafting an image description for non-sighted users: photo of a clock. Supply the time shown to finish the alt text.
2:03
